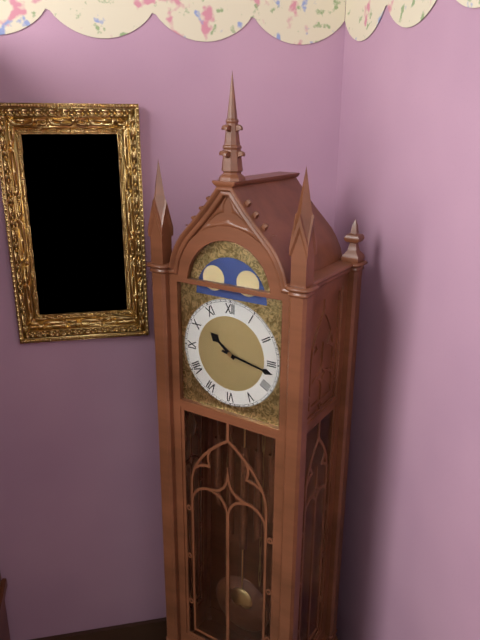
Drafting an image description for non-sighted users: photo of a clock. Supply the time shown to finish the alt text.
10:17
